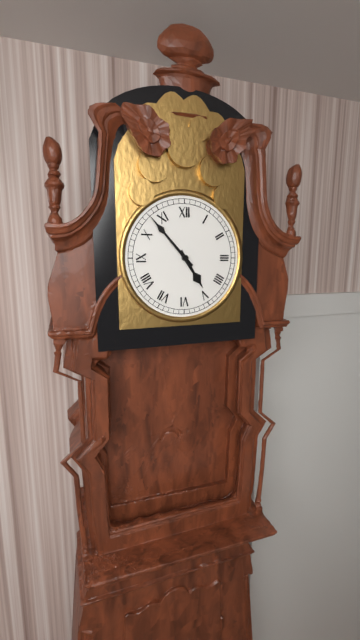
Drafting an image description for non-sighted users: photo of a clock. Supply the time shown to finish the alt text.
4:53
